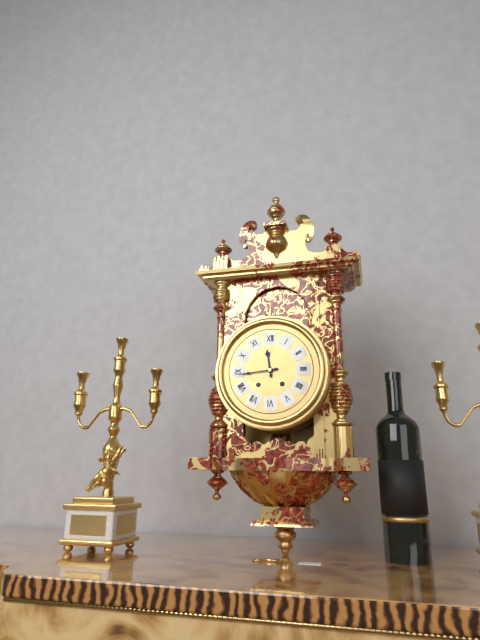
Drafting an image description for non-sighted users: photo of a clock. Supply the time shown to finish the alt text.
11:44
